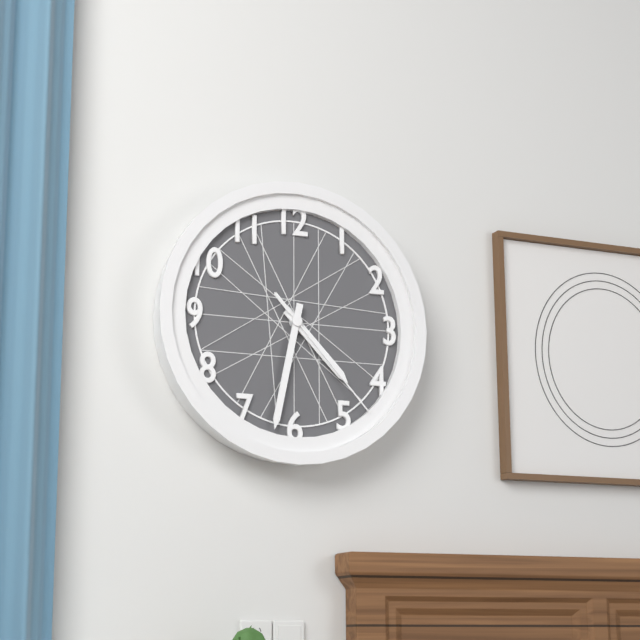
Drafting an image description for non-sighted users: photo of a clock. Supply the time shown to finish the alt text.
4:32:23
